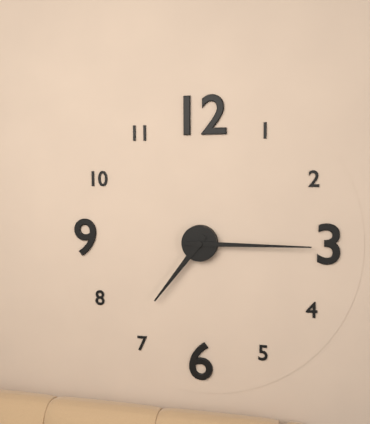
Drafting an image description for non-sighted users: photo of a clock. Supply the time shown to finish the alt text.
7:15
